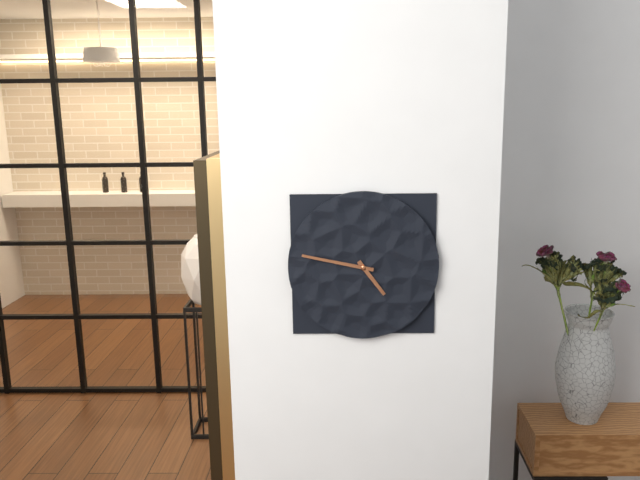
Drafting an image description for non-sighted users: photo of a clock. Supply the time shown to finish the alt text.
4:47
